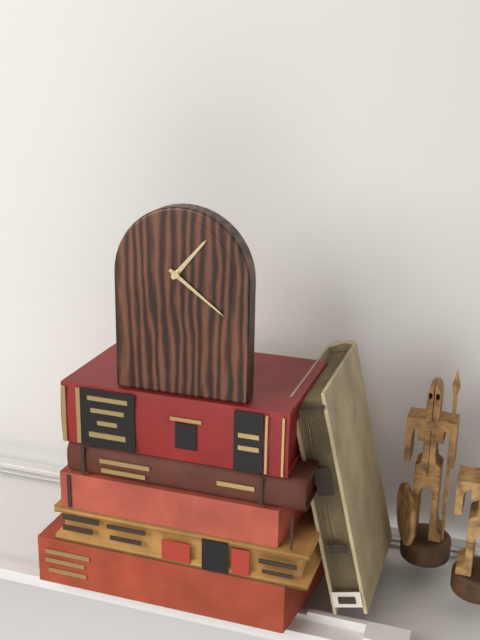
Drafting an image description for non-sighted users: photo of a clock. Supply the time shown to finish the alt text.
1:21
